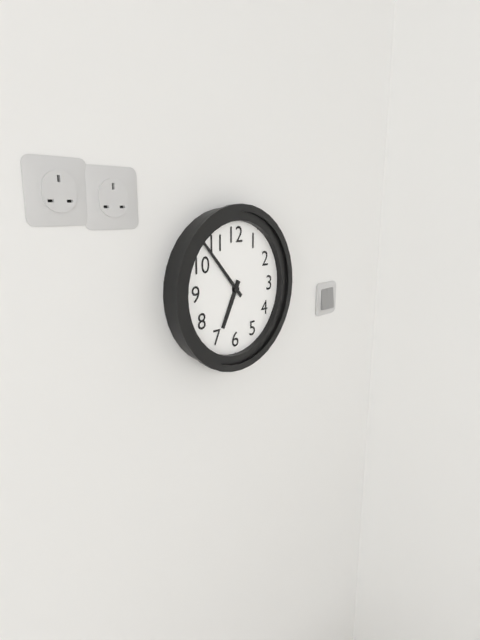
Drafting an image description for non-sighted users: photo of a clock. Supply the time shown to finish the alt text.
6:53
